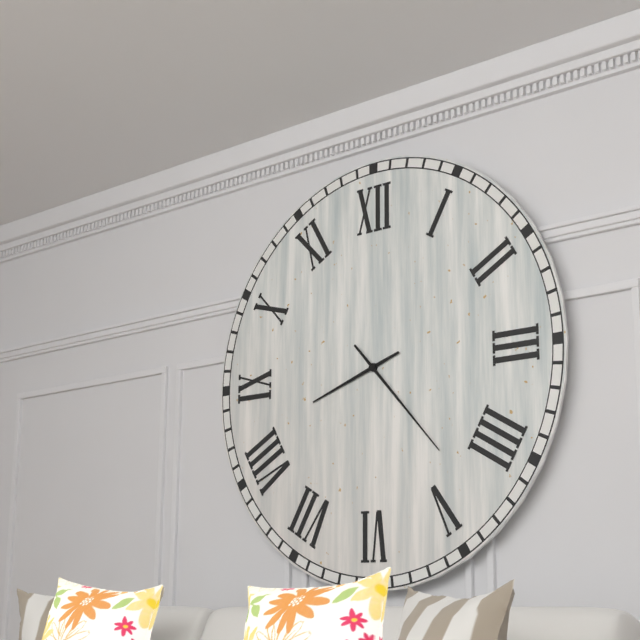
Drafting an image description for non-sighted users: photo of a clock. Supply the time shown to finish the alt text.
8:23
